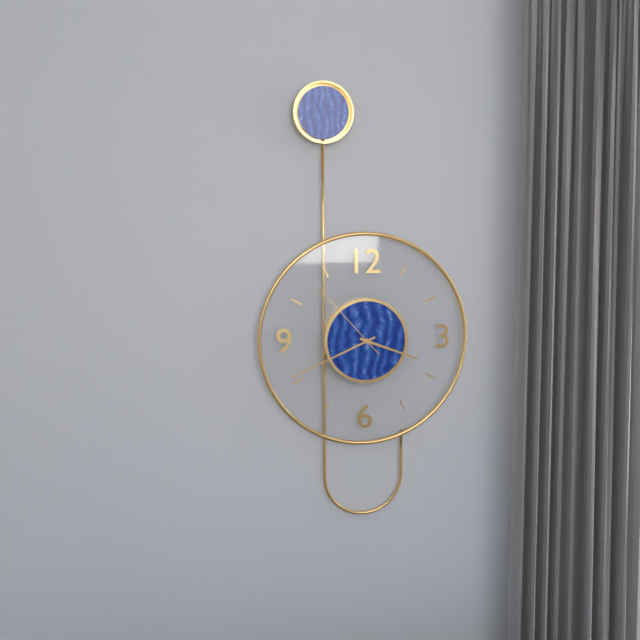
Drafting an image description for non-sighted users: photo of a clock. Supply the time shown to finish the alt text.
3:41:53
